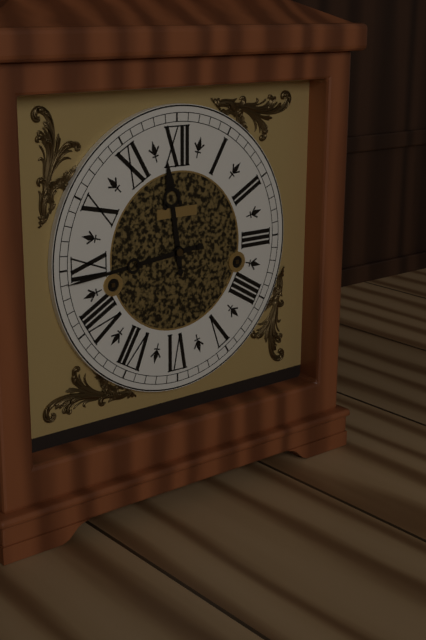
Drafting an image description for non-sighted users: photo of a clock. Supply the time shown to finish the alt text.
11:44
